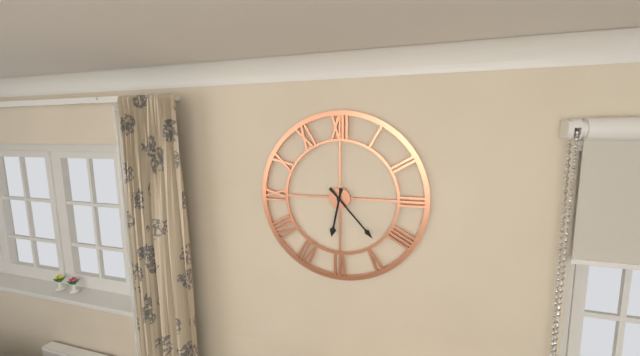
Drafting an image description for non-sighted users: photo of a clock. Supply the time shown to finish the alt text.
6:23
